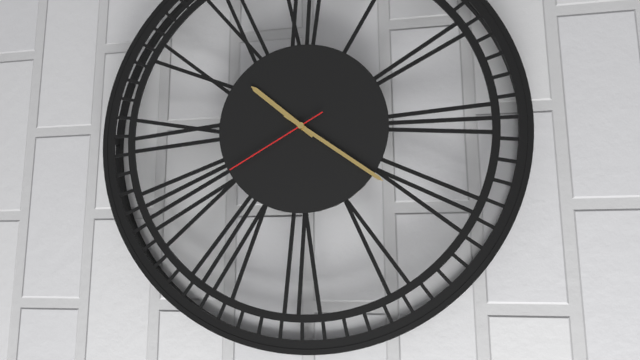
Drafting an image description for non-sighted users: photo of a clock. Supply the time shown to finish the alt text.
10:21:40
